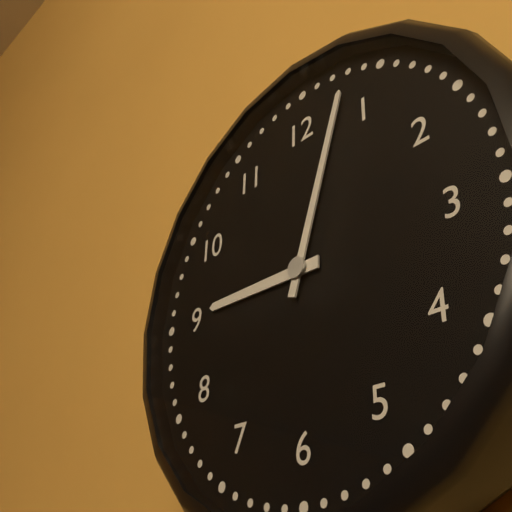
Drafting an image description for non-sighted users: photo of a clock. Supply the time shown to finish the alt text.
9:03
